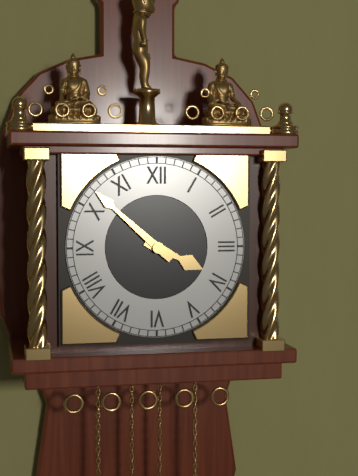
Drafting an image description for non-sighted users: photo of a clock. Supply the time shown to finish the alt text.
3:52
